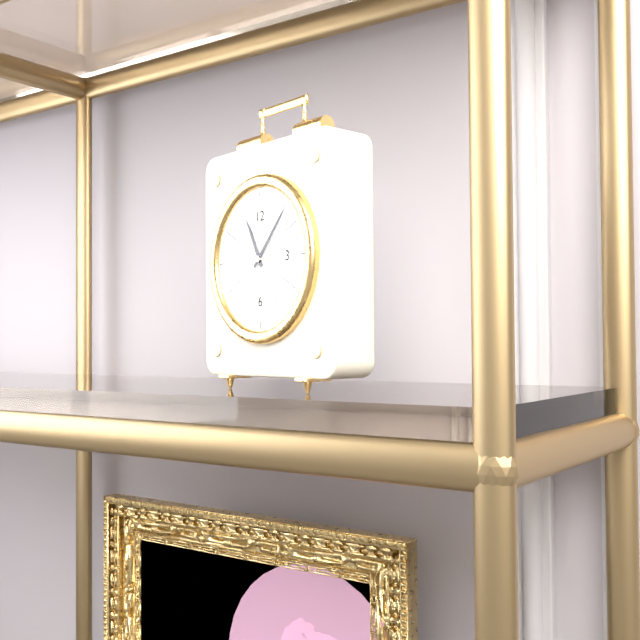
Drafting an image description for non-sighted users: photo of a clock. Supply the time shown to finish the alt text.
11:07
